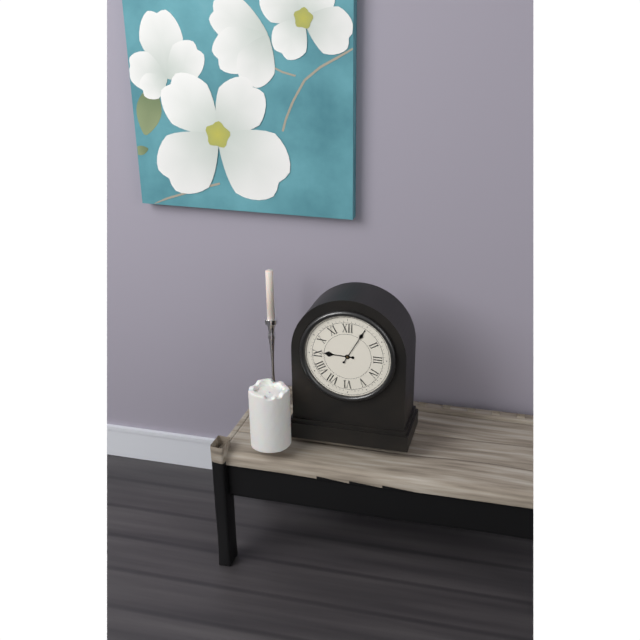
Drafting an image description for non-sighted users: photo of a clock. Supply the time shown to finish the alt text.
9:05
